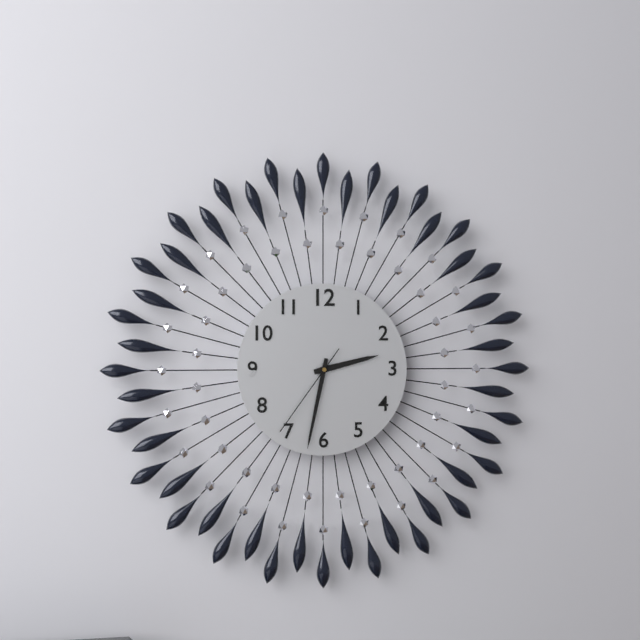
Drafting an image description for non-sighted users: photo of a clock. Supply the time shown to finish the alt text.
2:32:36
